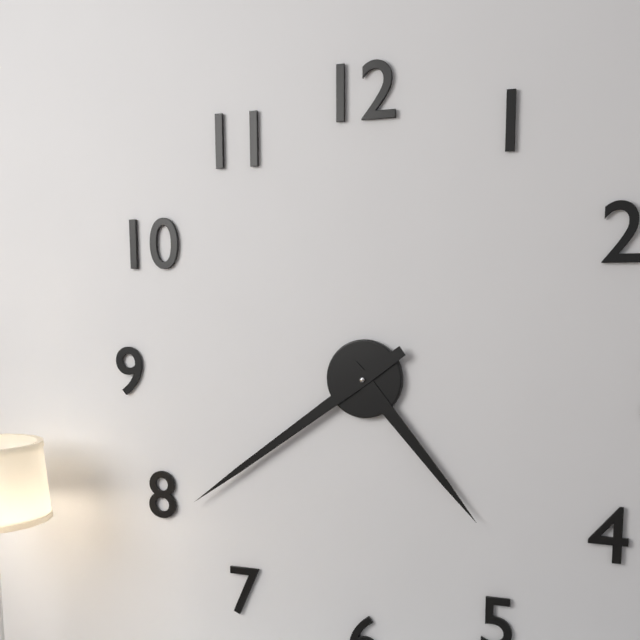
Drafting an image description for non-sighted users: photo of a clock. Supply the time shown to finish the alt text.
4:39
